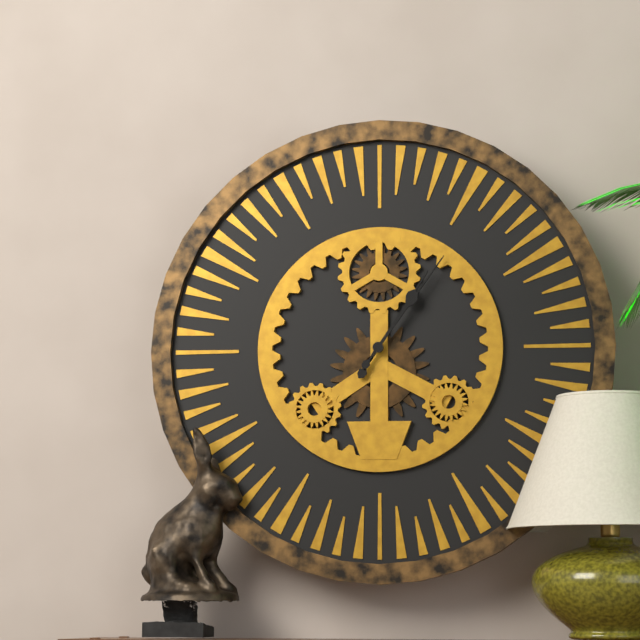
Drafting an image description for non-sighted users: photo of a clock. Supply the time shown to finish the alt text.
1:06
